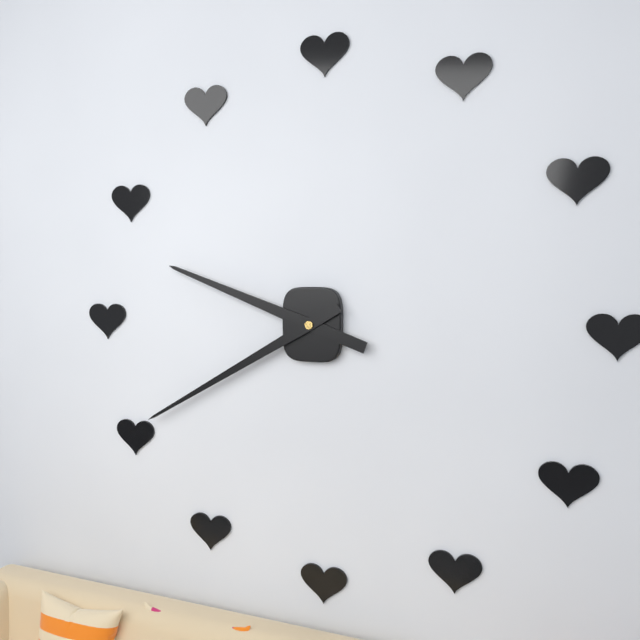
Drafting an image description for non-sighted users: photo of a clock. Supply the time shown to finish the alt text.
9:40
